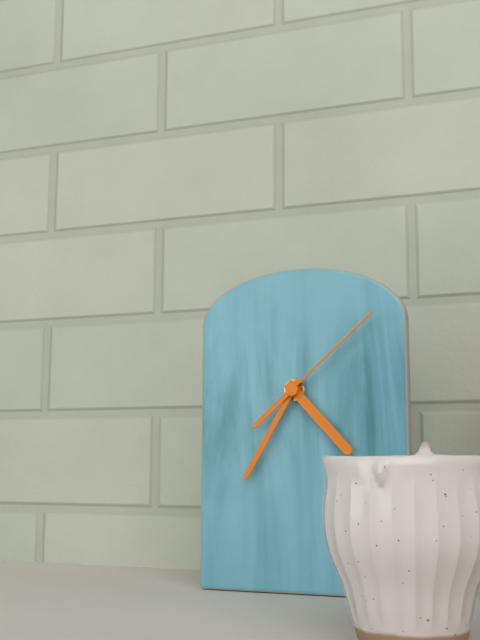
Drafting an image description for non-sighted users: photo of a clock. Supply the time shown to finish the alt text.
4:35:08
